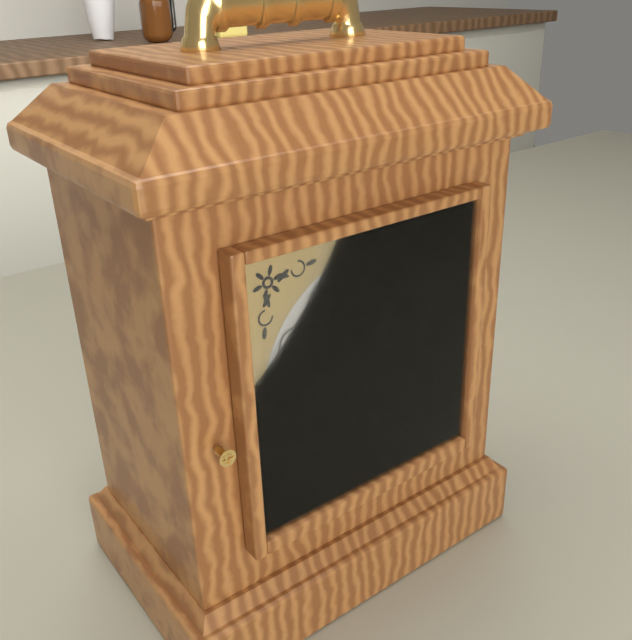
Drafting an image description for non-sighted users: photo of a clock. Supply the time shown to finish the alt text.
1:45
